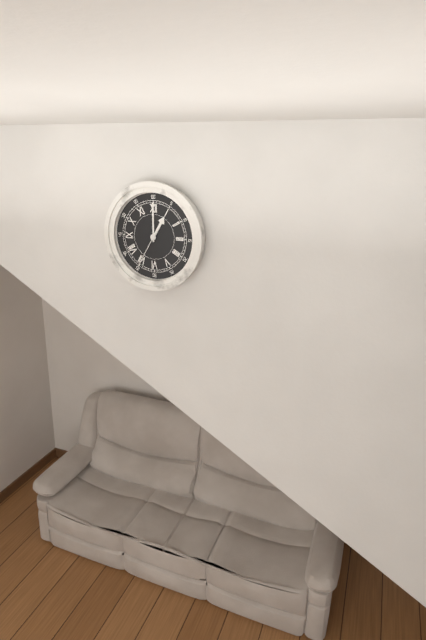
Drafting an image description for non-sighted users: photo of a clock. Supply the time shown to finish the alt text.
1:00
